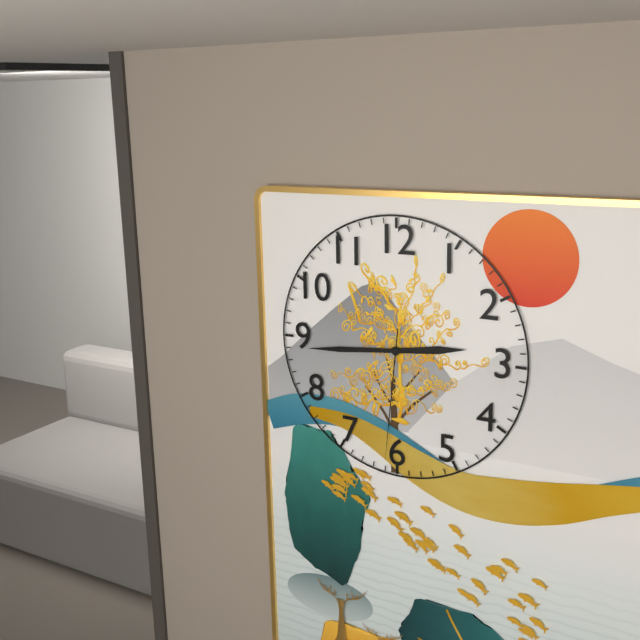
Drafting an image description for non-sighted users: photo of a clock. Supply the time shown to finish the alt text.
2:44:31
